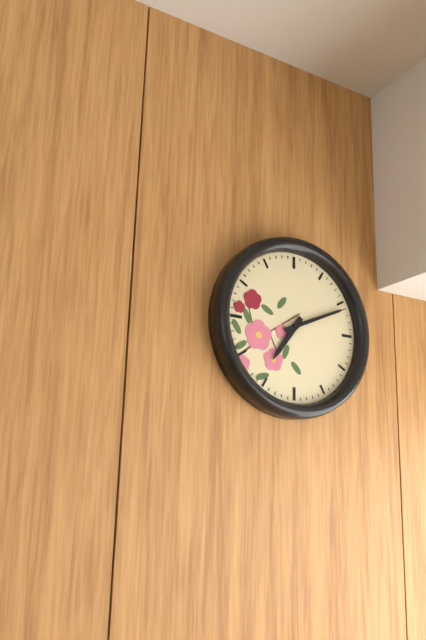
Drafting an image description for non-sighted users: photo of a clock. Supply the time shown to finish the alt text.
7:11
